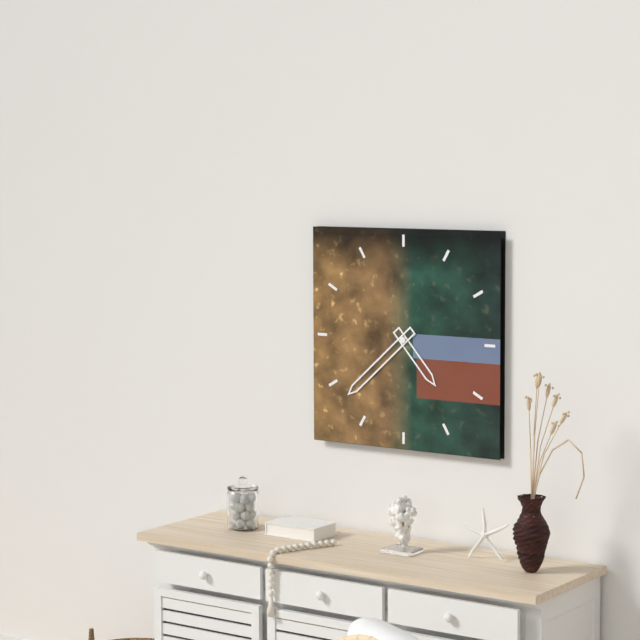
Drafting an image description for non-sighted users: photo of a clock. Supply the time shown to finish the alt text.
4:38
